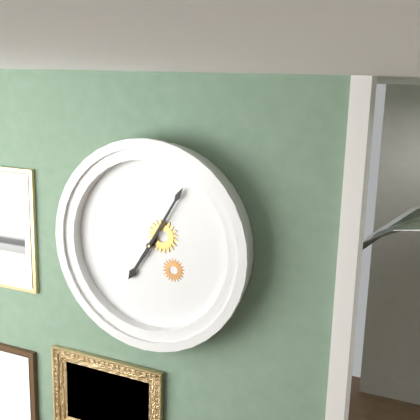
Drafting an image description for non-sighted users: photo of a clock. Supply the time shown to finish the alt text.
7:05
